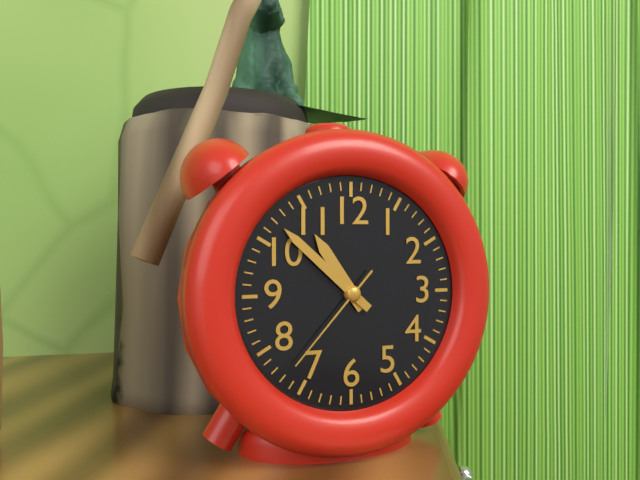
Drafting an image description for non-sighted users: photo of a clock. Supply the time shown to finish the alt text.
10:52:37
